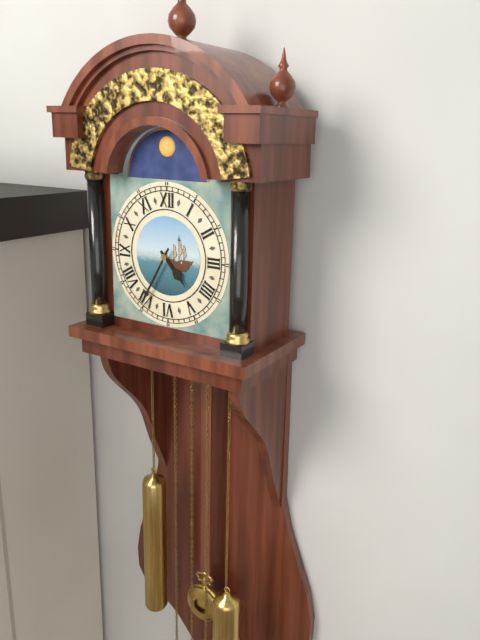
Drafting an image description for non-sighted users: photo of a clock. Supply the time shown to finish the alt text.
4:35
